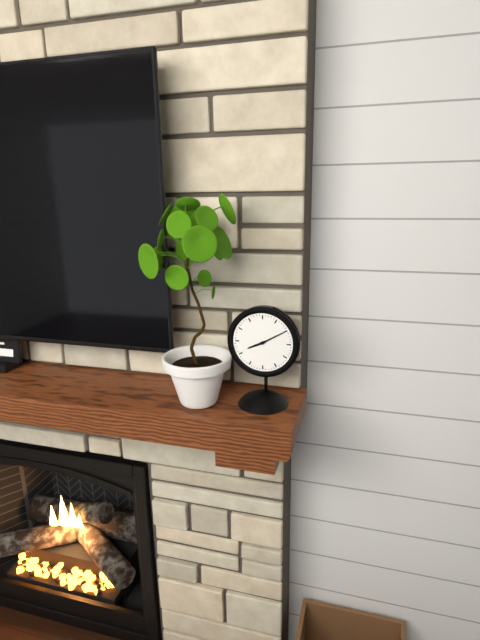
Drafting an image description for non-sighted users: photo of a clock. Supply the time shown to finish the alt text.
8:10
